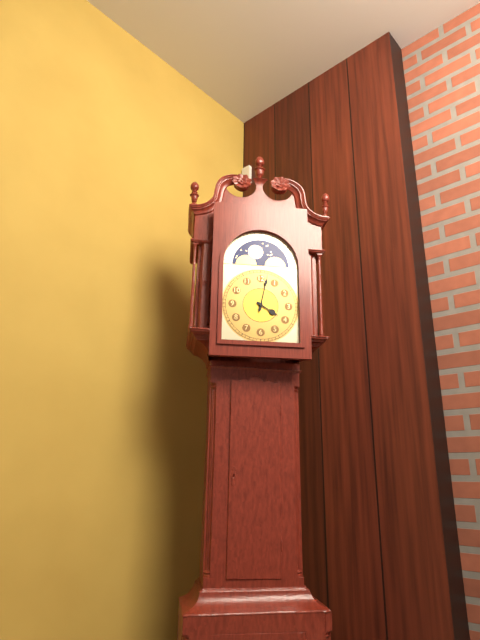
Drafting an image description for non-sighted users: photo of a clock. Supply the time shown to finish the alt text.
4:02
